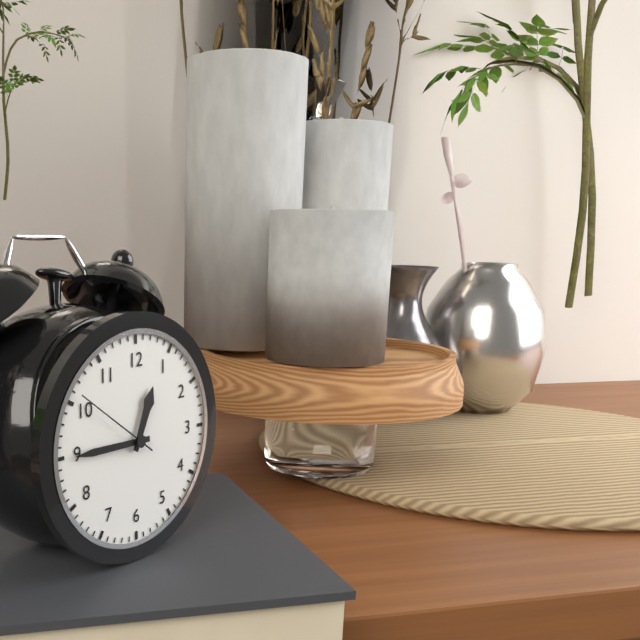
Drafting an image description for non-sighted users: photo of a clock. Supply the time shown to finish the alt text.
12:45:51
